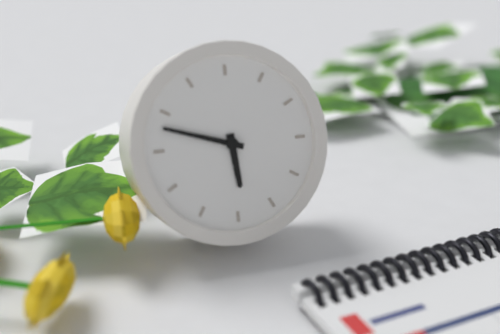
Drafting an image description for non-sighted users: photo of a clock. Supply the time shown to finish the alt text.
5:48
